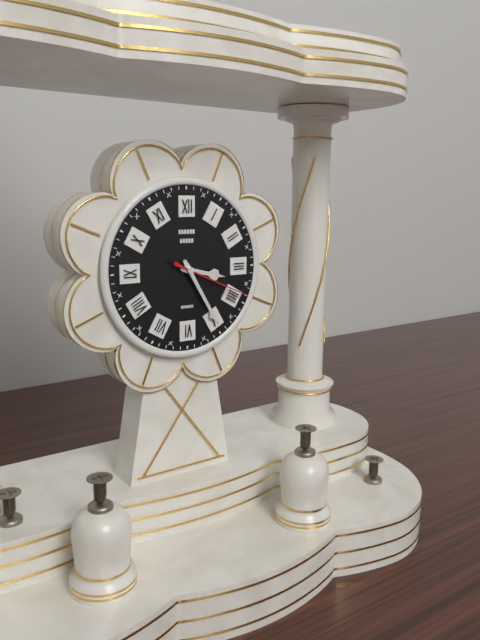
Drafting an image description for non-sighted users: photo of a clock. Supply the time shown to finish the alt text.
3:25:19
